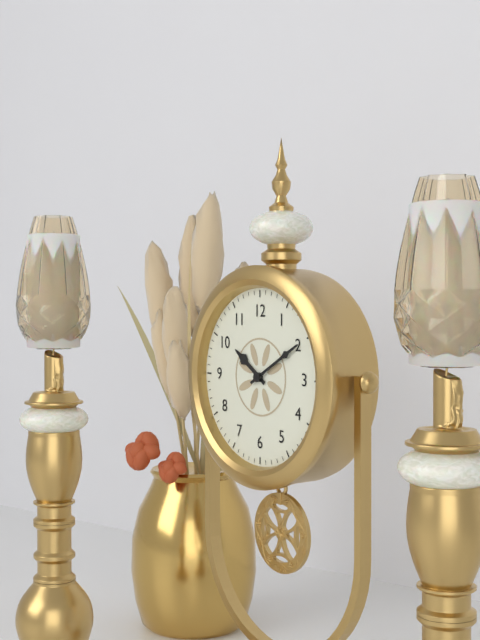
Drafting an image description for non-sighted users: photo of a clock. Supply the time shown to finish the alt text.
10:10
